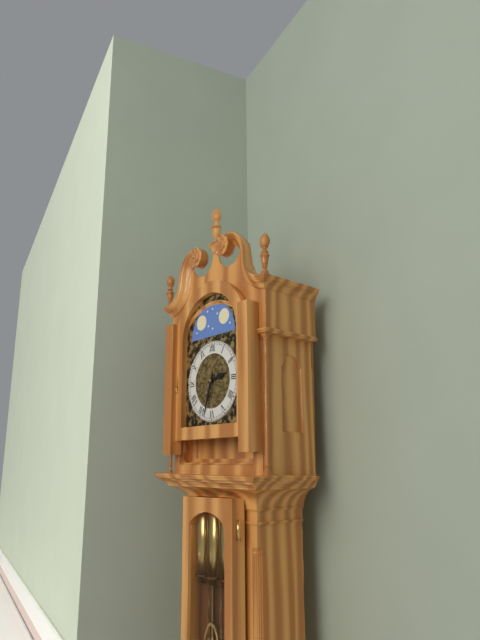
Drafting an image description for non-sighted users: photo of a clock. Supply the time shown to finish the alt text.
2:33
